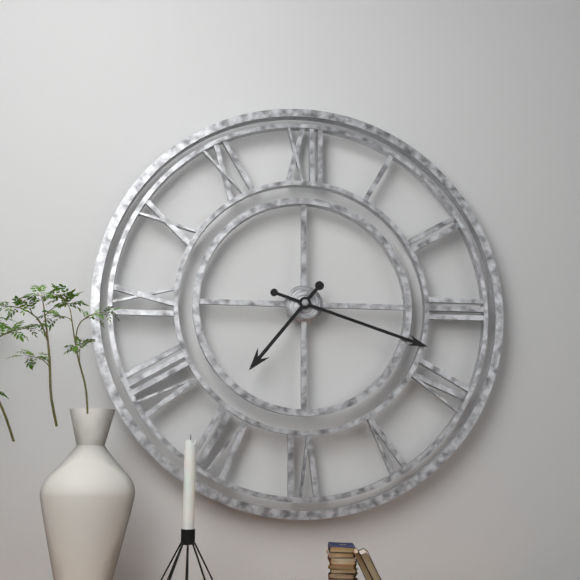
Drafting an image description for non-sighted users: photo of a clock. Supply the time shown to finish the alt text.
7:18
